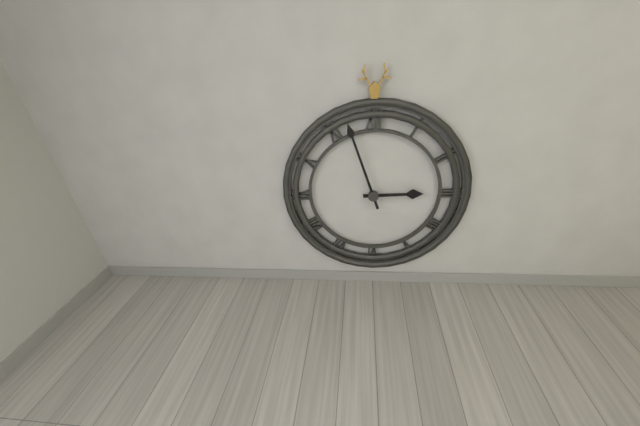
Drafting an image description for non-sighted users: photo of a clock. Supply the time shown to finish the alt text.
2:57
